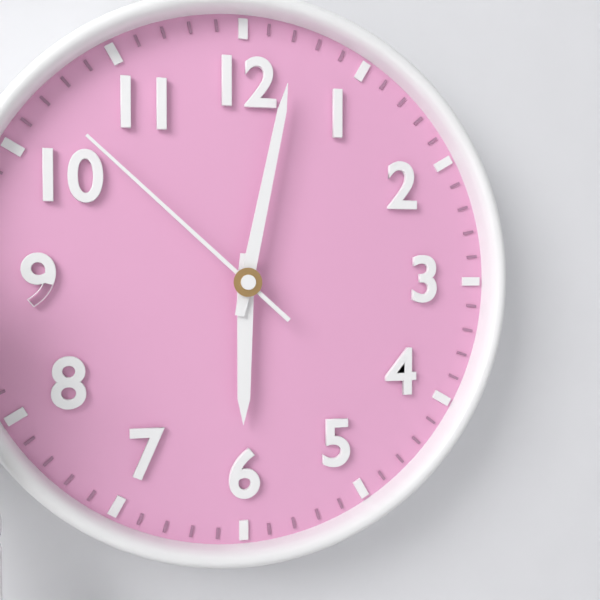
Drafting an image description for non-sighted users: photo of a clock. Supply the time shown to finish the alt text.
6:02:52
